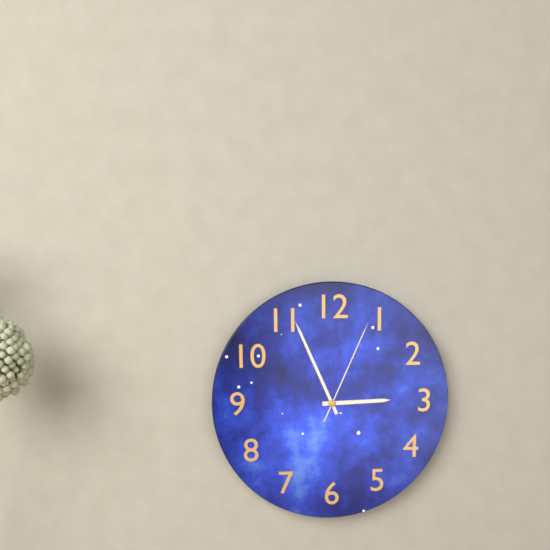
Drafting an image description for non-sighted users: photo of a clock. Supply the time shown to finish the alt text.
2:56:04
